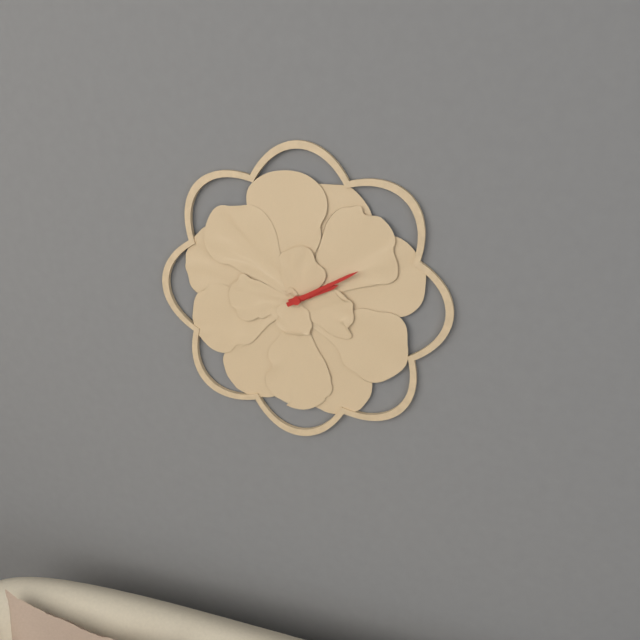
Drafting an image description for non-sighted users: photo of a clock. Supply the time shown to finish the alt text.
2:10
